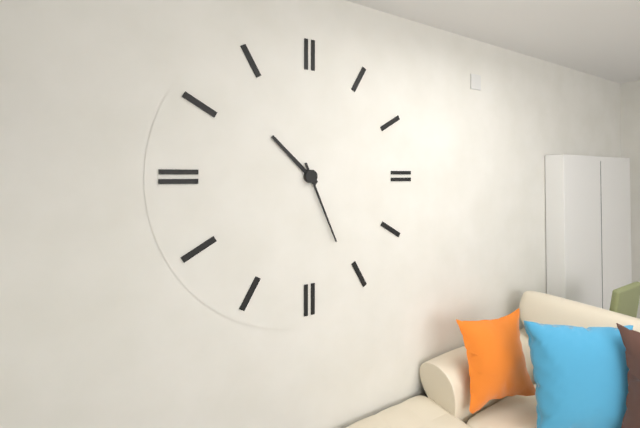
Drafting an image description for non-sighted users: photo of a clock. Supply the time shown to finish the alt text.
10:26
